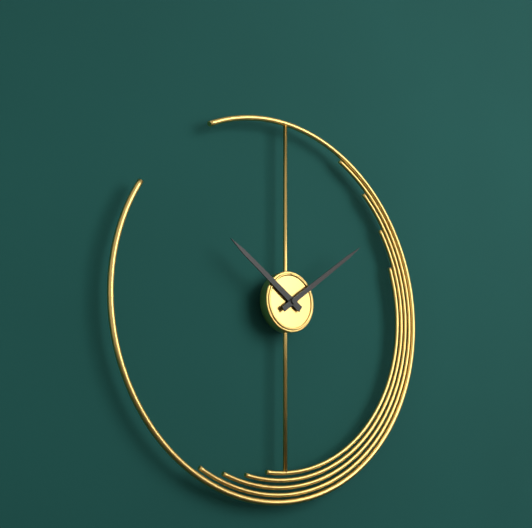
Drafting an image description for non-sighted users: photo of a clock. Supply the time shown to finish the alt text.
10:09
